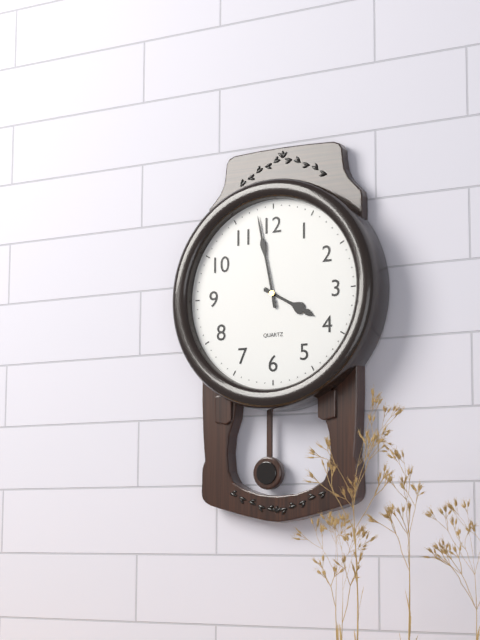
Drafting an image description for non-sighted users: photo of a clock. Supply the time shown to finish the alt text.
3:58
